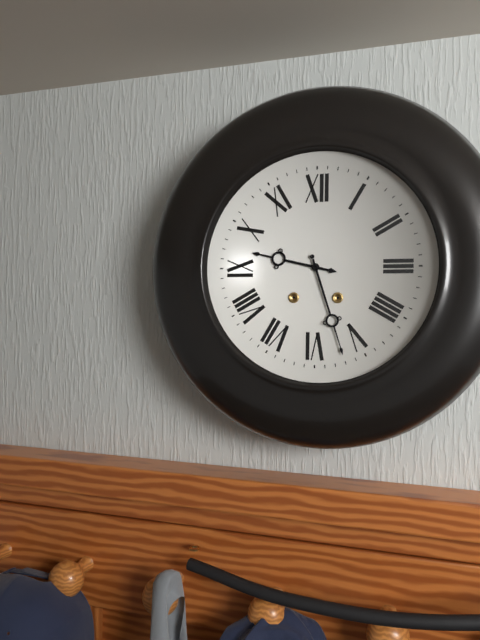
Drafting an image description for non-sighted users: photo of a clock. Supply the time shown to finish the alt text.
9:27
